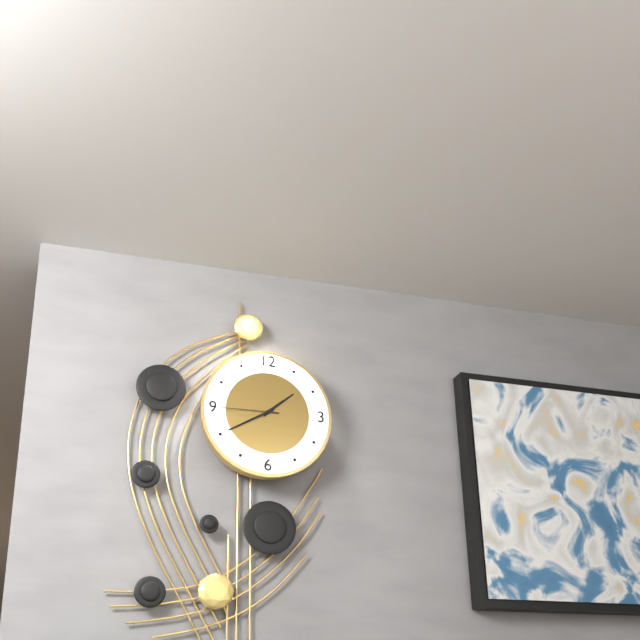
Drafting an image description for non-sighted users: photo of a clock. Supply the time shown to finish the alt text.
1:40:45
